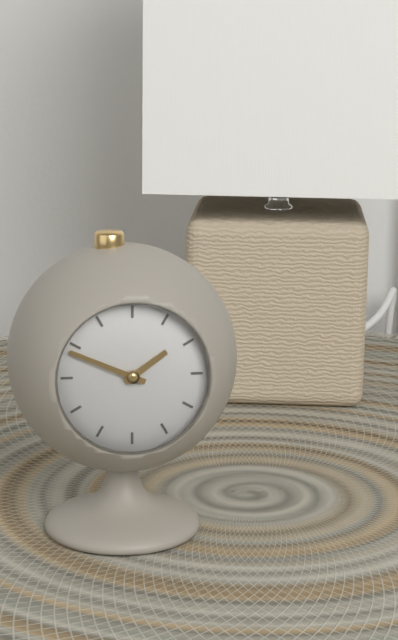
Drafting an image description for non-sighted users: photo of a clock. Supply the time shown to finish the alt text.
1:49
